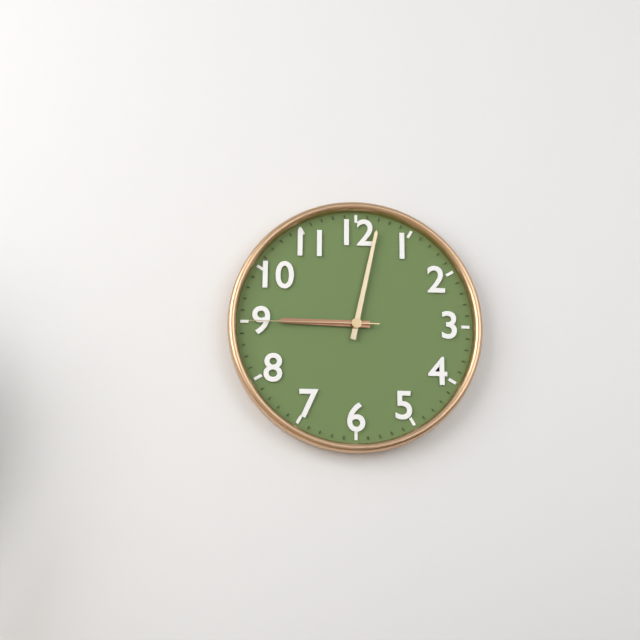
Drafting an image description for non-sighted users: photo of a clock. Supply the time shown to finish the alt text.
9:02:45
